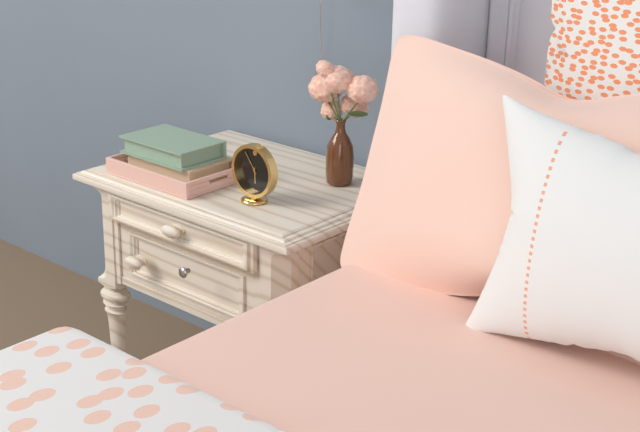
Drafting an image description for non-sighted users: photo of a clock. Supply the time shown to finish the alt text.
5:54
